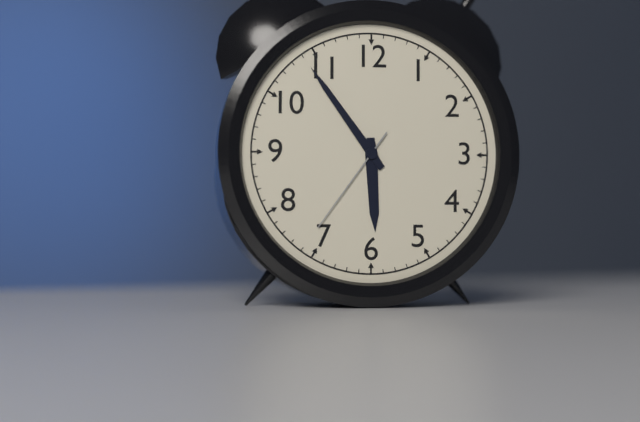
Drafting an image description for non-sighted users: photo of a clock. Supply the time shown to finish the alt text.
5:54:36
